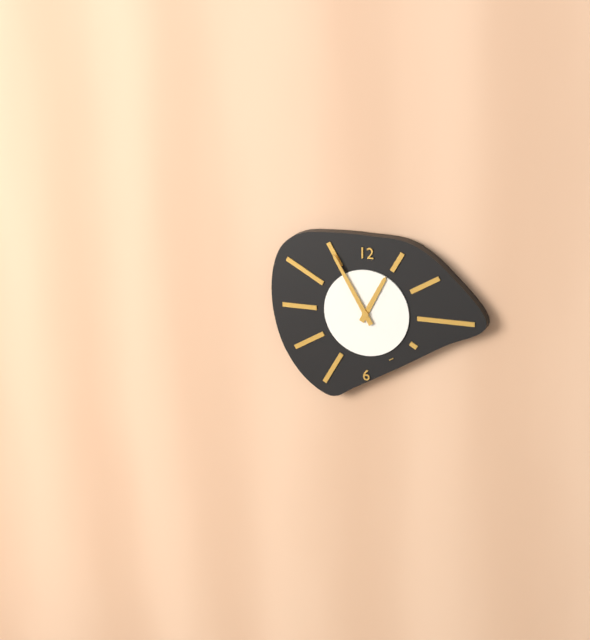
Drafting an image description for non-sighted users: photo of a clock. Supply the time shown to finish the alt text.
12:55
